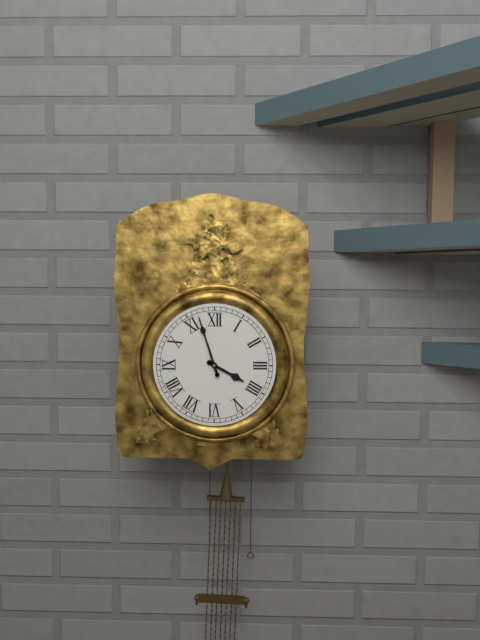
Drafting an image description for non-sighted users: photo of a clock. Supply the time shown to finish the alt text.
3:57
